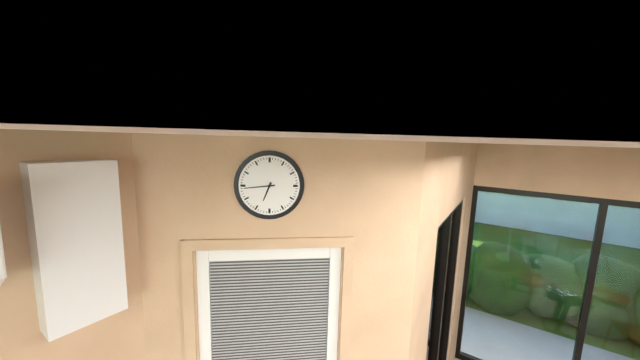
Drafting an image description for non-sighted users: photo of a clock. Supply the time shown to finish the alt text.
6:44
